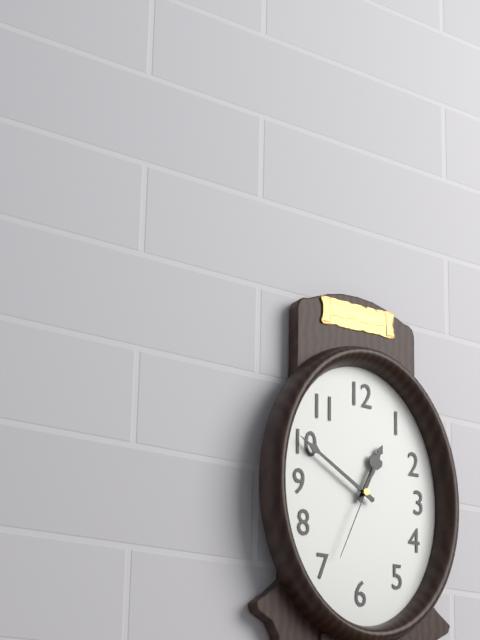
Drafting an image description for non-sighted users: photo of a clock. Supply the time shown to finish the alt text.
12:50:34
